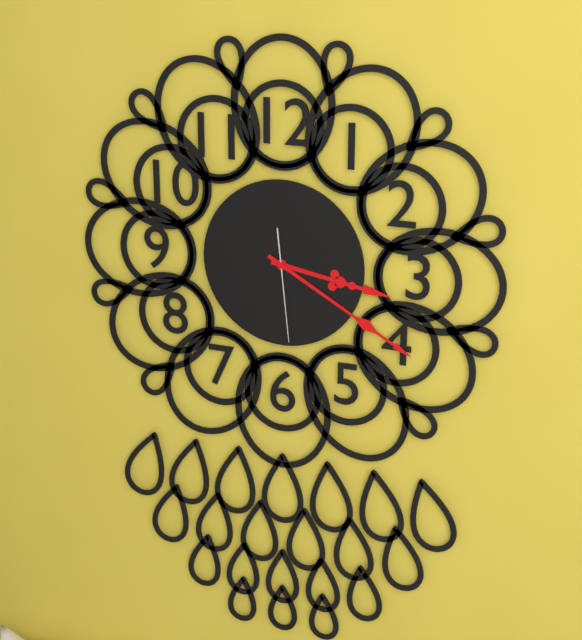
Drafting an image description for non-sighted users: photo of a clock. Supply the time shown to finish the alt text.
3:20:29
